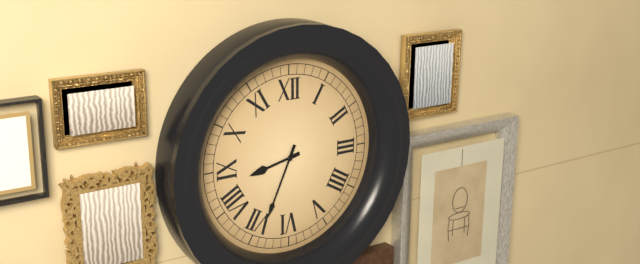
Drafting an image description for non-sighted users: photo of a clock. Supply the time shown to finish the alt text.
8:34
